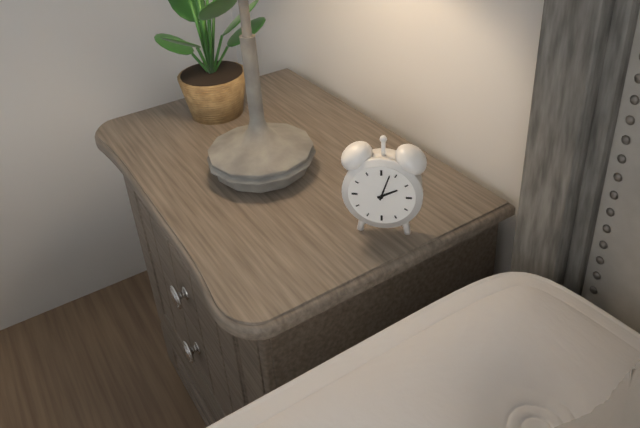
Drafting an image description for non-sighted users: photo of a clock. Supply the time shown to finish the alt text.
2:03
